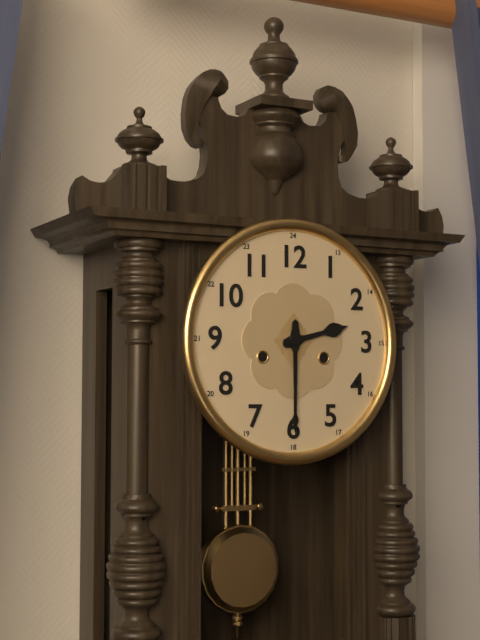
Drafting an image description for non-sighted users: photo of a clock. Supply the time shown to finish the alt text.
2:30
